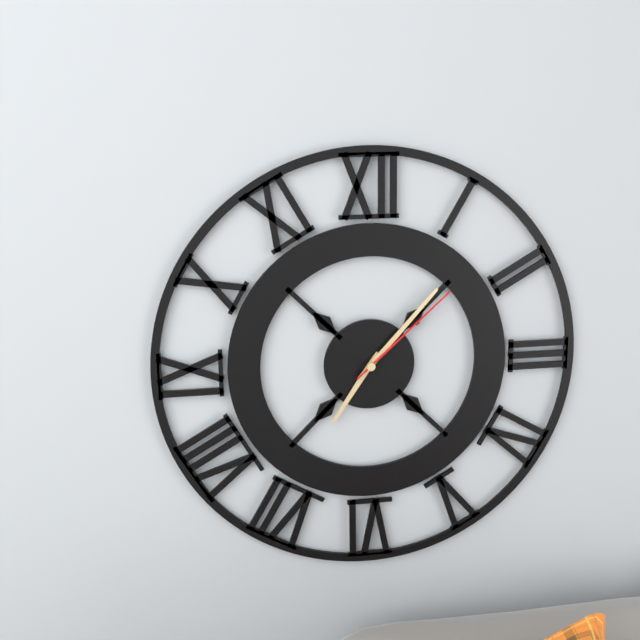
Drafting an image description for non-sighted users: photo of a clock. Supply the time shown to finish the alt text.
7:07:08
